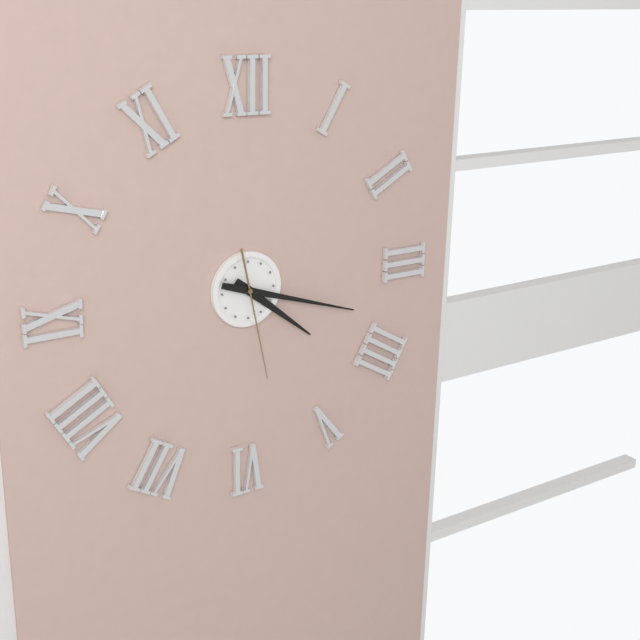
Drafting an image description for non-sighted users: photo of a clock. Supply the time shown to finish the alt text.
4:18:28
